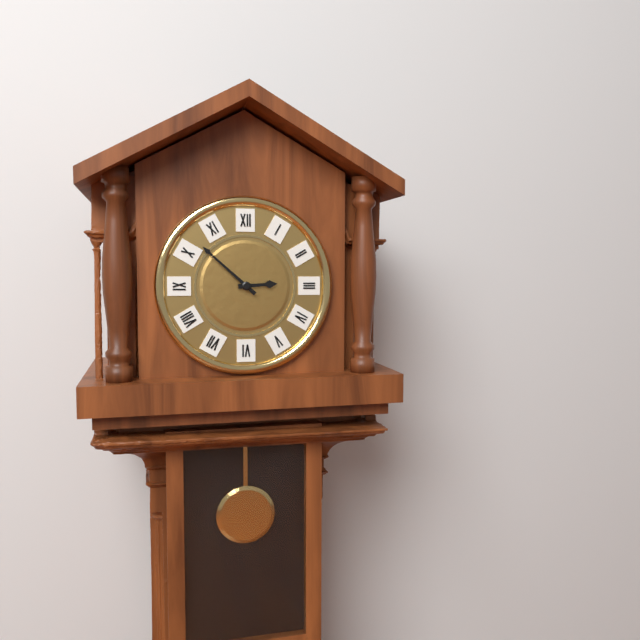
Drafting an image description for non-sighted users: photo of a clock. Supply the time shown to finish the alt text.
2:52
